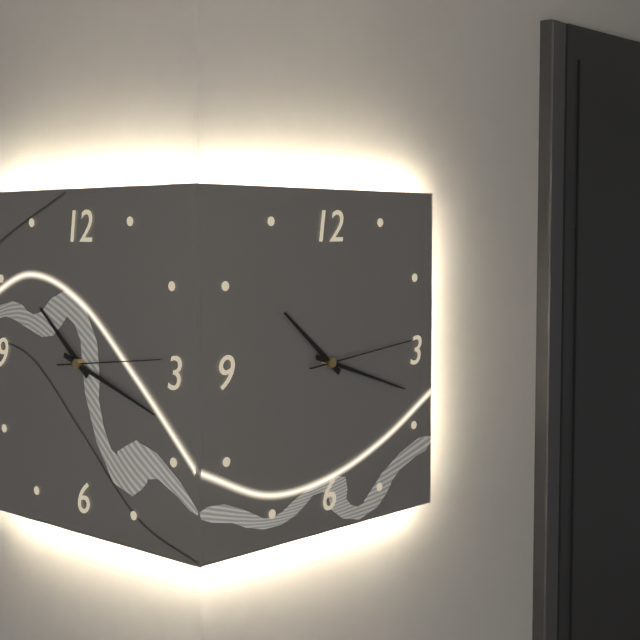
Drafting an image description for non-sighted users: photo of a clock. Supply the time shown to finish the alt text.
10:18:14
